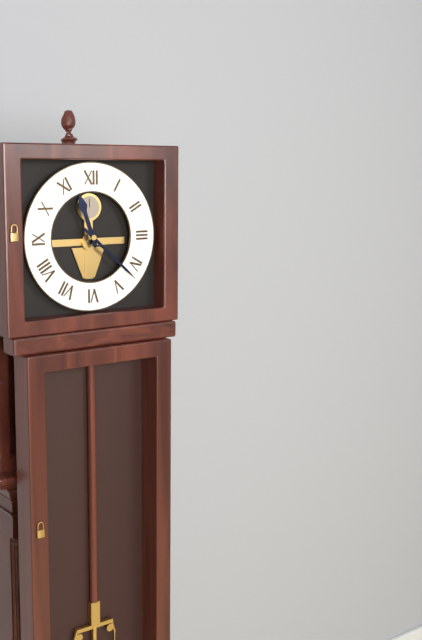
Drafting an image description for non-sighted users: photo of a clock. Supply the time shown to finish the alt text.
11:22
